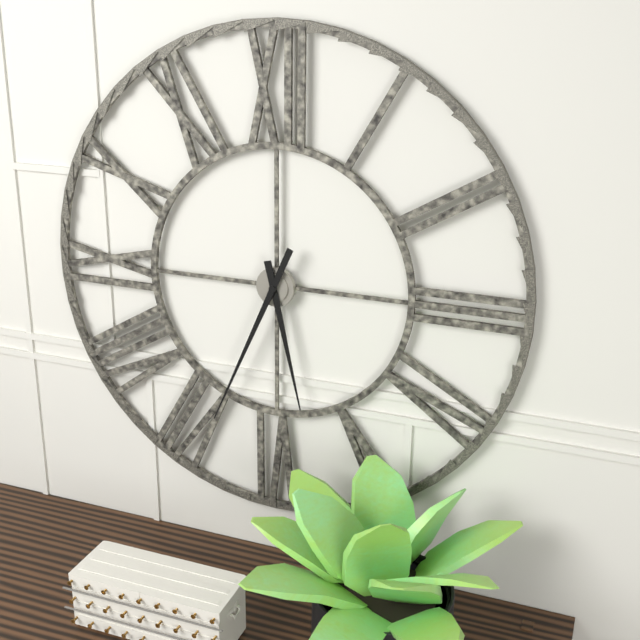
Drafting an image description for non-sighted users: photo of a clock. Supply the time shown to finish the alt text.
5:34
